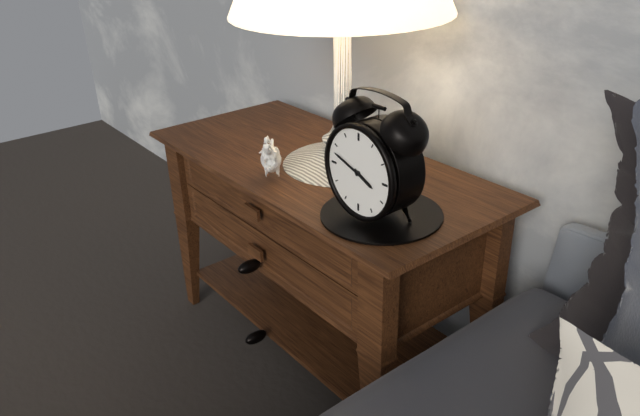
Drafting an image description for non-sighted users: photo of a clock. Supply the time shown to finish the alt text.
3:48
